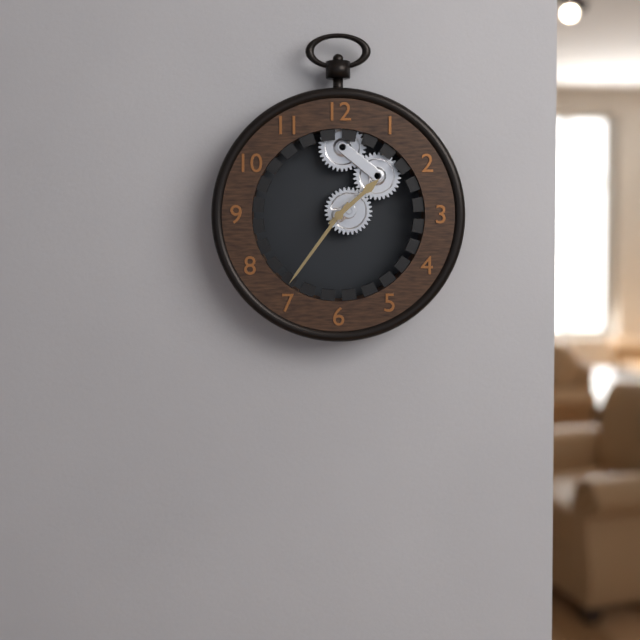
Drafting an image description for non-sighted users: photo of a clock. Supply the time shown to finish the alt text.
1:36
